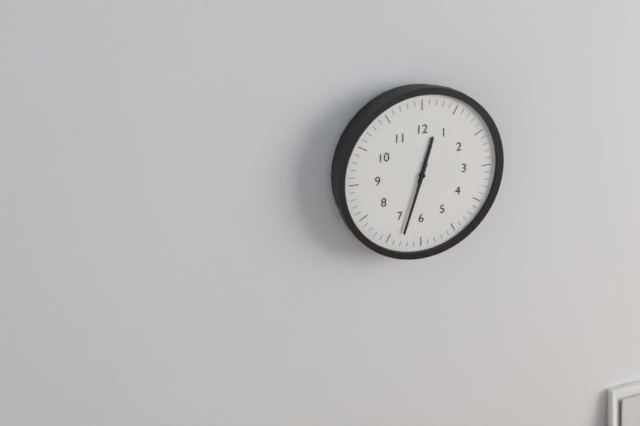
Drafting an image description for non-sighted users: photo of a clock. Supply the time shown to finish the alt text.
12:33
